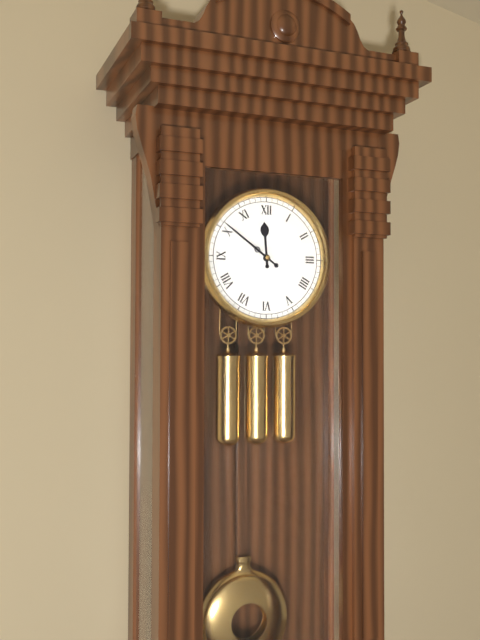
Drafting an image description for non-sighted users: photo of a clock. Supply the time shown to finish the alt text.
11:51
